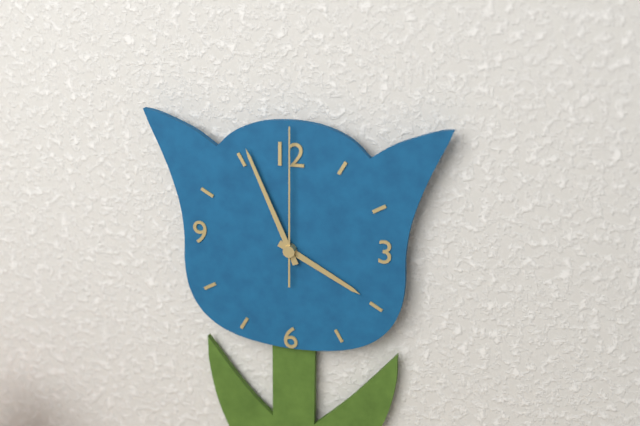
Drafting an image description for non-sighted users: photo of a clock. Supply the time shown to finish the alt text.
3:56:00
